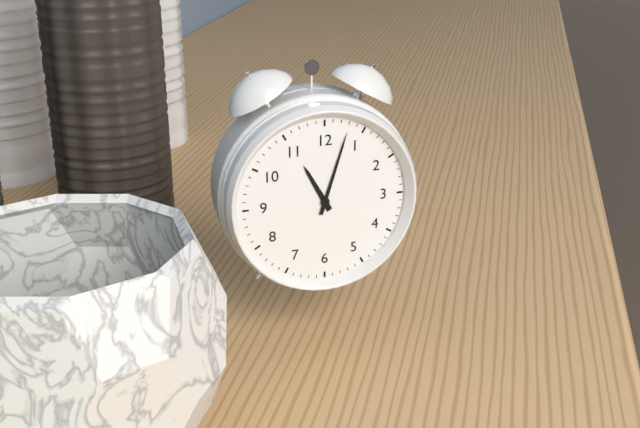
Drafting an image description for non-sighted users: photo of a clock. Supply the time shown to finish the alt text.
11:03
